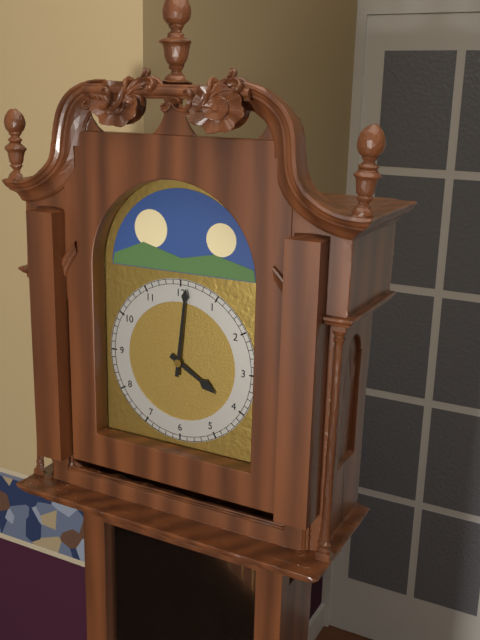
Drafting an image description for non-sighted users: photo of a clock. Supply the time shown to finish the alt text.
4:01
